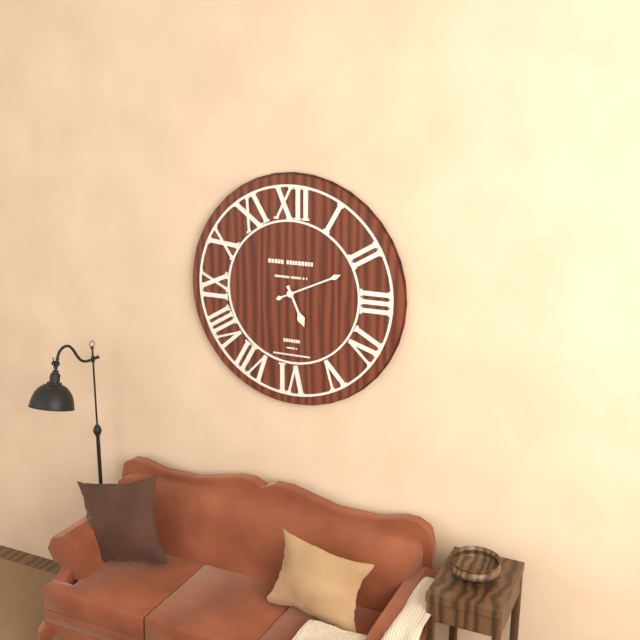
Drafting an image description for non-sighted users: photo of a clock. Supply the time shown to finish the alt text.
5:11
